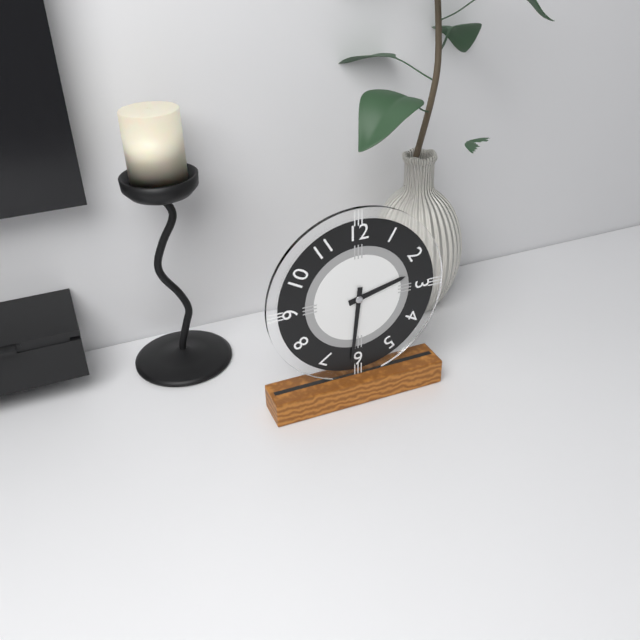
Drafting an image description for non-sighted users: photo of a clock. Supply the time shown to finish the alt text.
2:31
